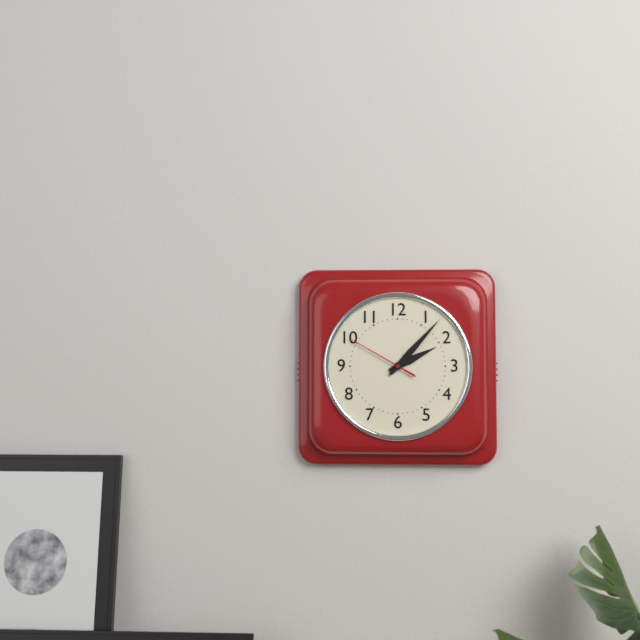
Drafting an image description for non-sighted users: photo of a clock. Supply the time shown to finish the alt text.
2:07:50
